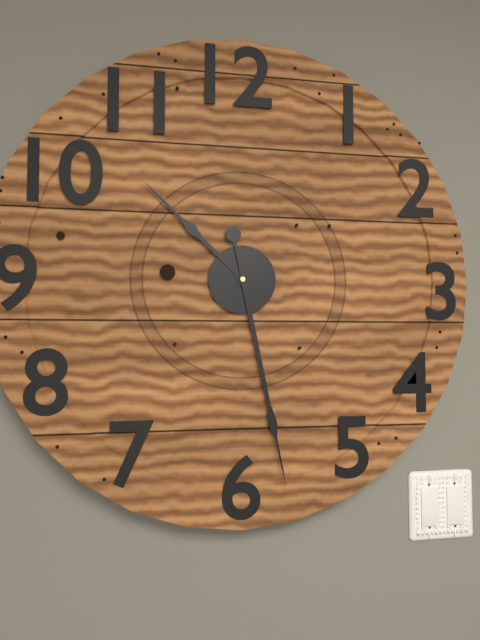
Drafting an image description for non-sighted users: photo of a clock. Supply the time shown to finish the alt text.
10:28
